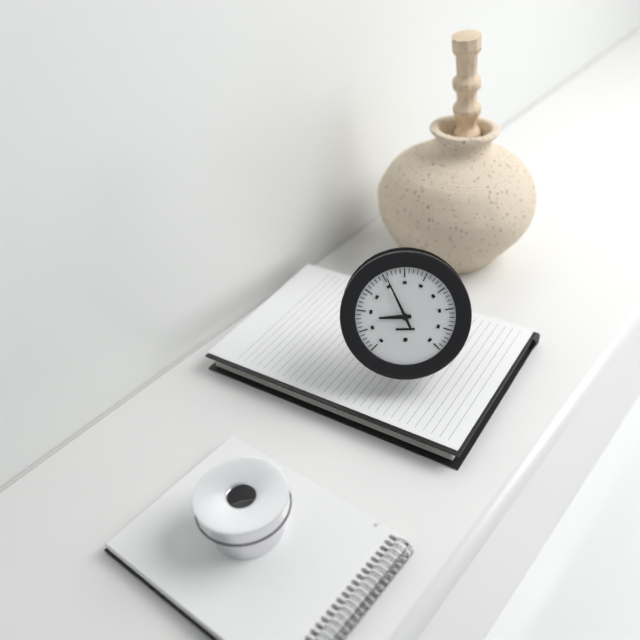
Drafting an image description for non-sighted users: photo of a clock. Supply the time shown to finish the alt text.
8:56
